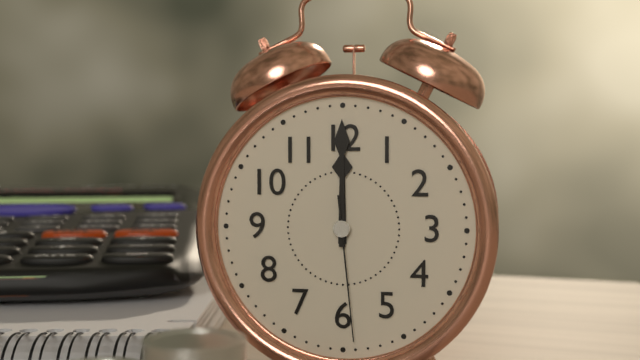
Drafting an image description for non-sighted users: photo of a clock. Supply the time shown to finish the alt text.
12:00:29
